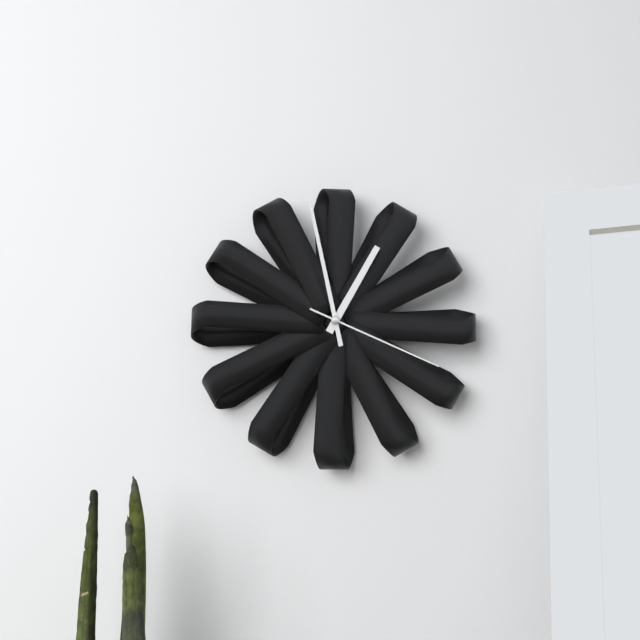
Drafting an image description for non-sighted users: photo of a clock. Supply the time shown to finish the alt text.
12:58:19
